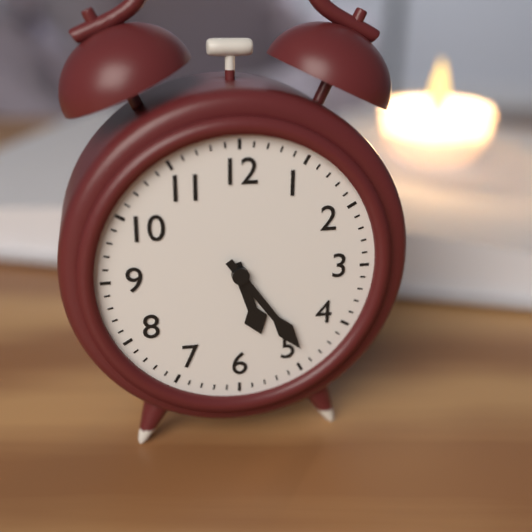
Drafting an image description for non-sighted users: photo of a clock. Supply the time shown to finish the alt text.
5:24
